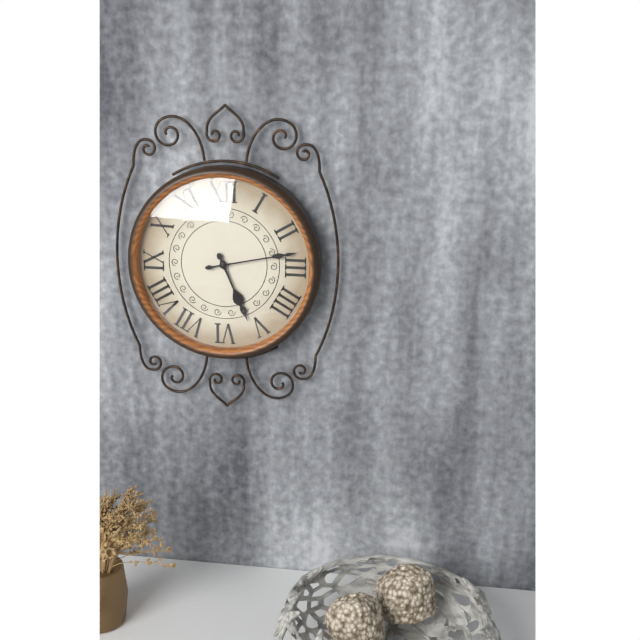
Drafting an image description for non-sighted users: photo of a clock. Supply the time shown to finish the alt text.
5:13
